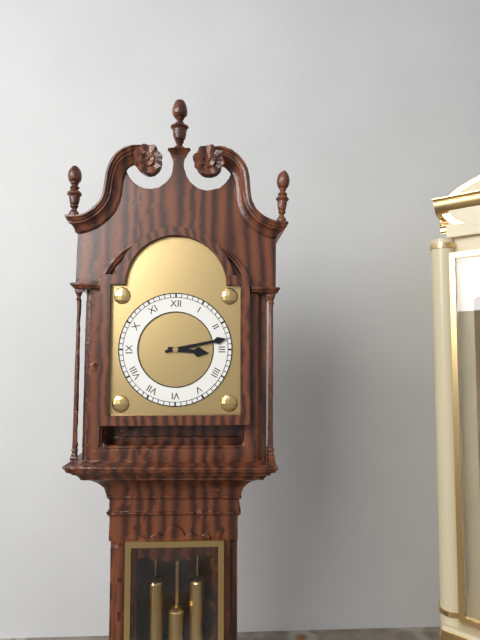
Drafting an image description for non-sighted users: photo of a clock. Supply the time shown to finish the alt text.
3:13
